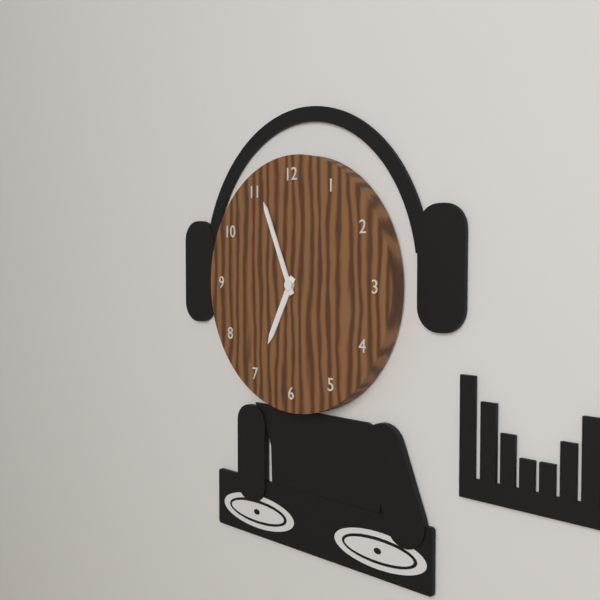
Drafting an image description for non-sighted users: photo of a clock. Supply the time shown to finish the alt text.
6:56
